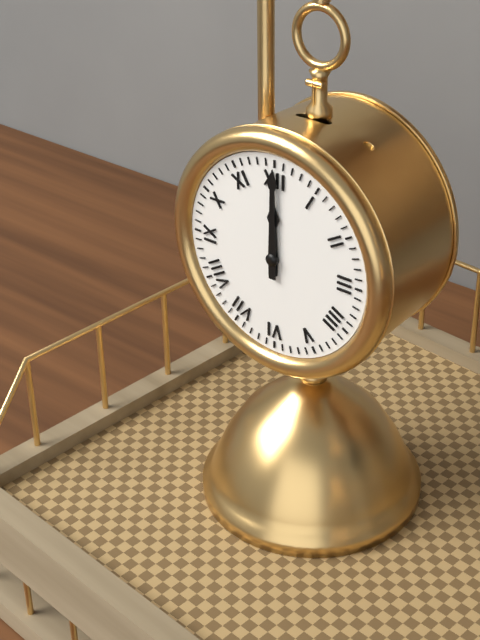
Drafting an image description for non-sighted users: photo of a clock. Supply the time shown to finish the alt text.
12:00
